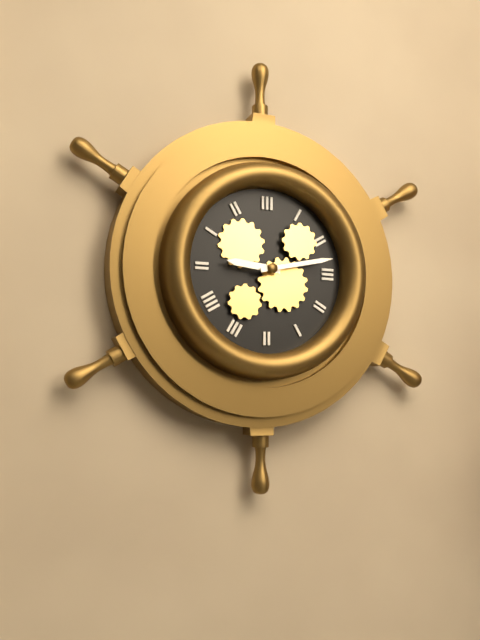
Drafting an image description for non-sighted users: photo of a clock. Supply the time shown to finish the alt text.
9:13
